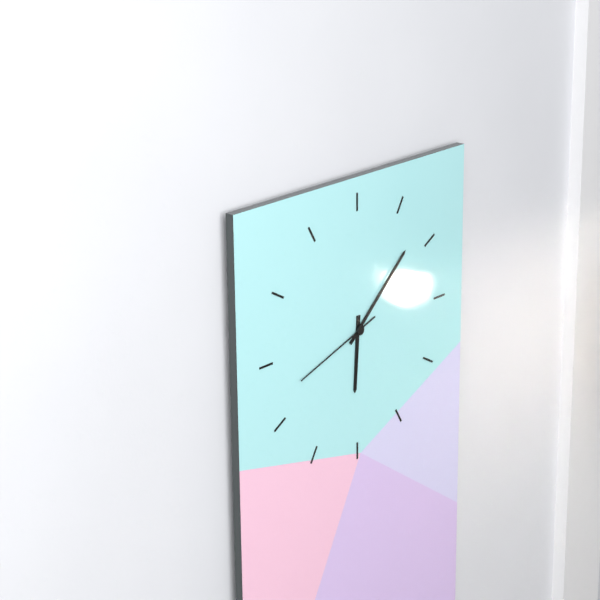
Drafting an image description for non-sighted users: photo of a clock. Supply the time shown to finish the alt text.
6:08:42
